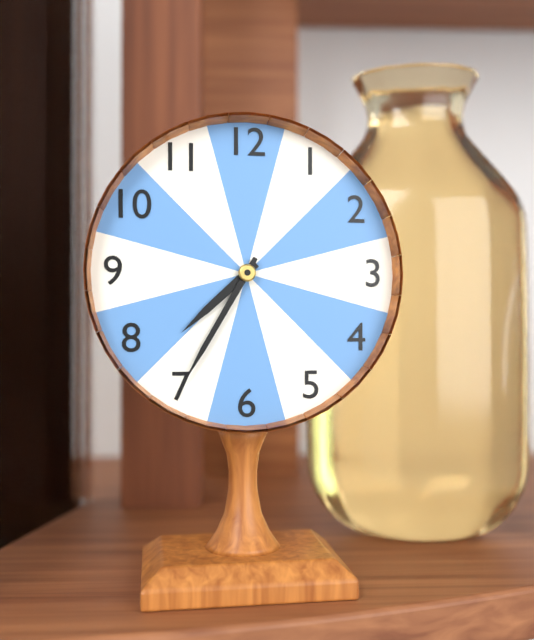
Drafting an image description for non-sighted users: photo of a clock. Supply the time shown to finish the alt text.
7:35
